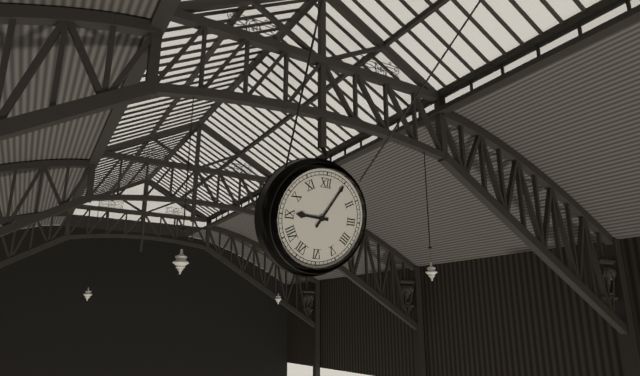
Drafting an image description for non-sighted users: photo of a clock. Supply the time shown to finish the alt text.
9:05
